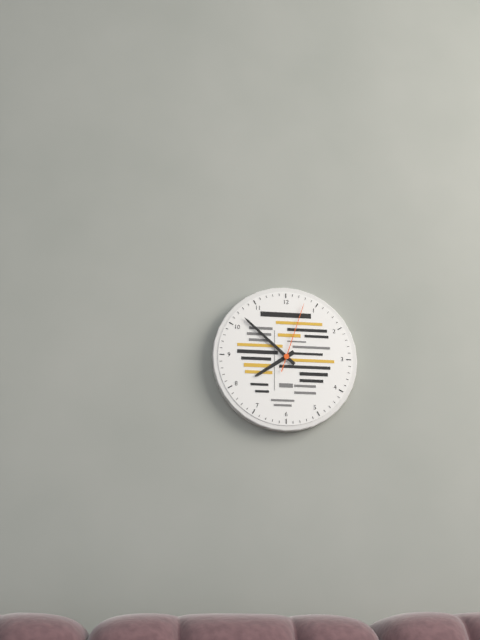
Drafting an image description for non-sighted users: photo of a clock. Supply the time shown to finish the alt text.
7:52:03
